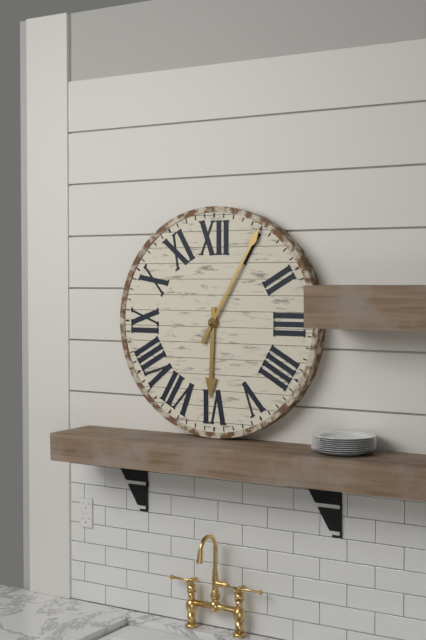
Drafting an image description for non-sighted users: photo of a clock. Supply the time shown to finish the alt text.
6:05
